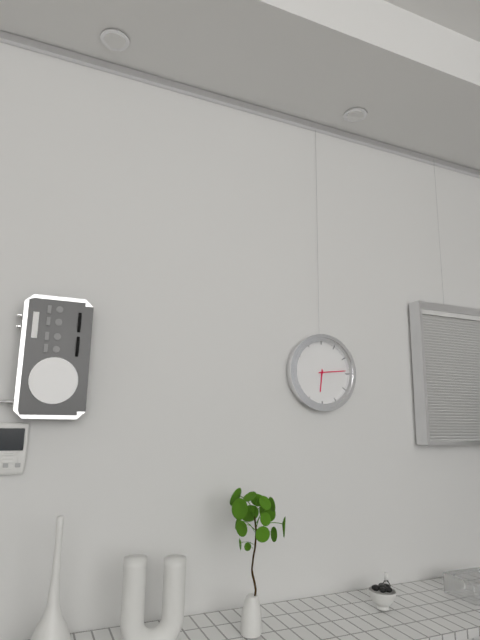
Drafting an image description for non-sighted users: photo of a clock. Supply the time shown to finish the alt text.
6:14
